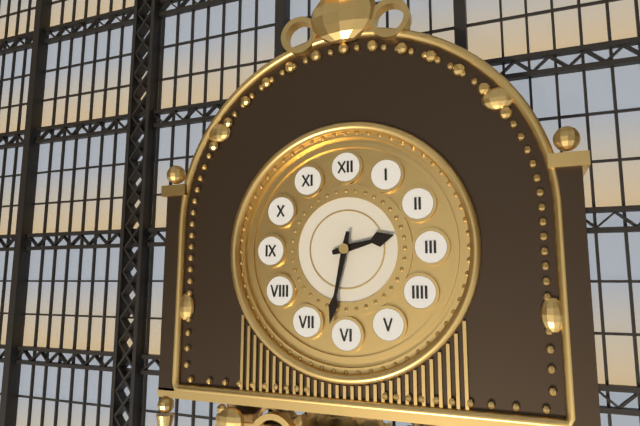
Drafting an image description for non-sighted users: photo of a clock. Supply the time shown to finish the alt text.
2:32
